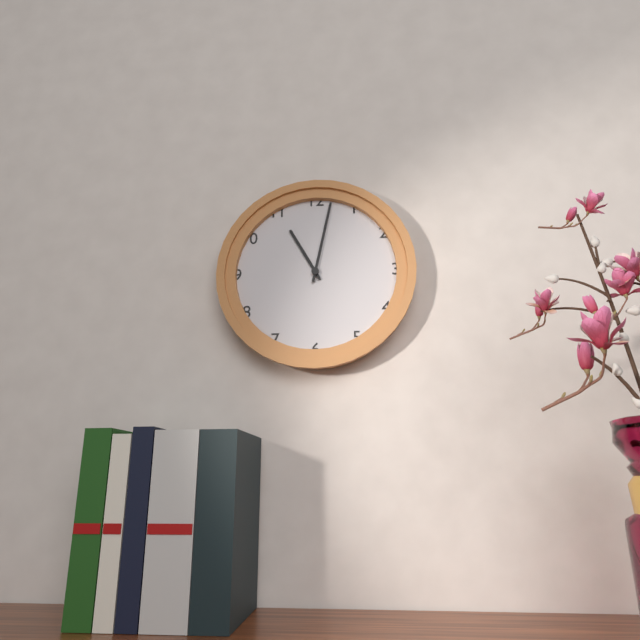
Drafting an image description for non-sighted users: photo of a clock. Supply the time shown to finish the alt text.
11:02
